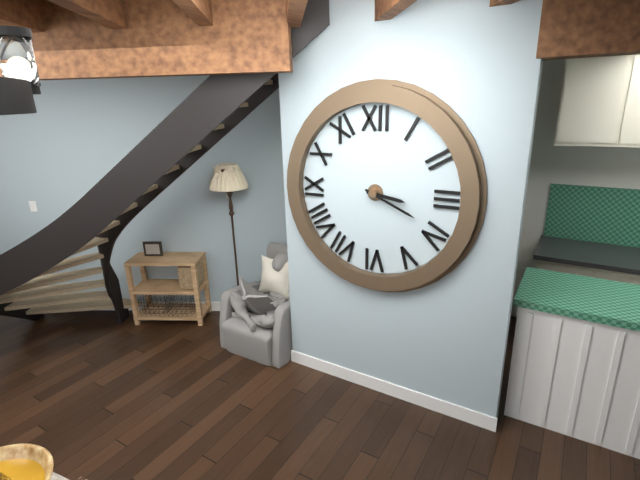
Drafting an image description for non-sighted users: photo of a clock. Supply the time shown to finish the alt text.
3:19
